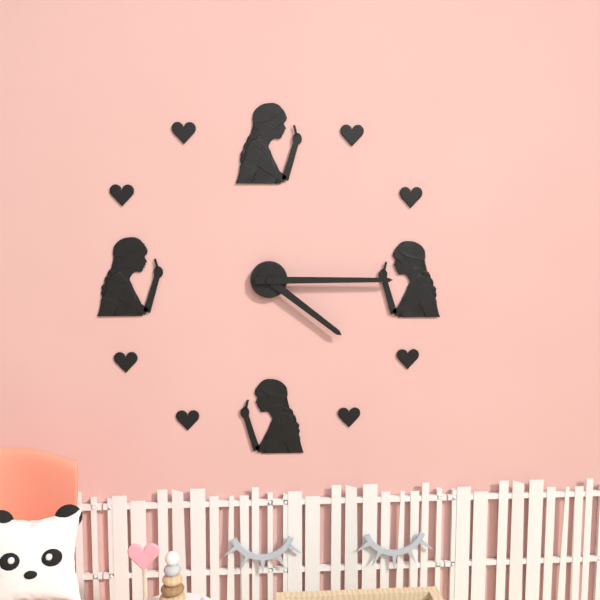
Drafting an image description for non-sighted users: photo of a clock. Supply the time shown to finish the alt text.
4:15
